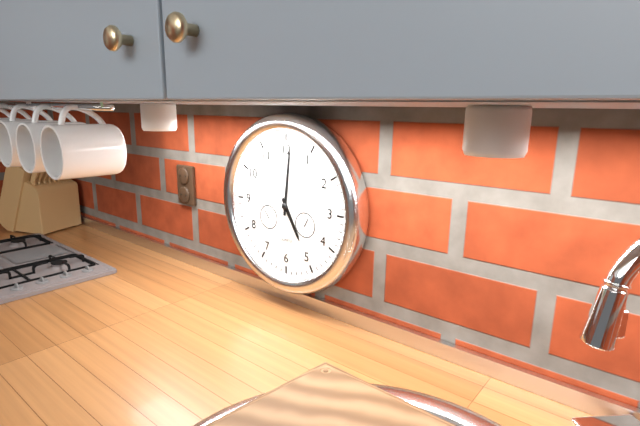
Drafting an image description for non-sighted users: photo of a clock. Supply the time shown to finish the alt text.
5:01
